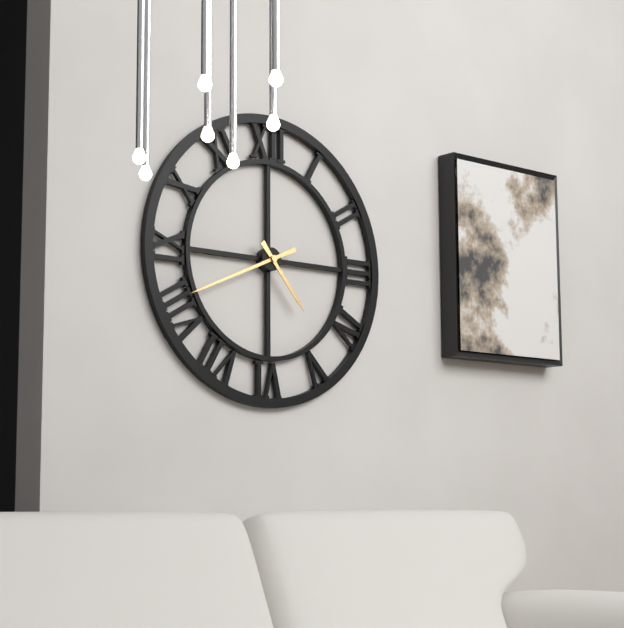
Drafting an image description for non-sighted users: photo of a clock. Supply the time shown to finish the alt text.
4:41
